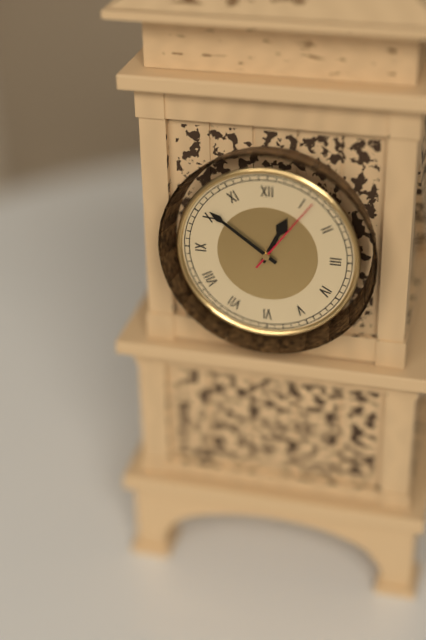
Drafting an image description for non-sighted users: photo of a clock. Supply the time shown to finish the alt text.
12:51:06
